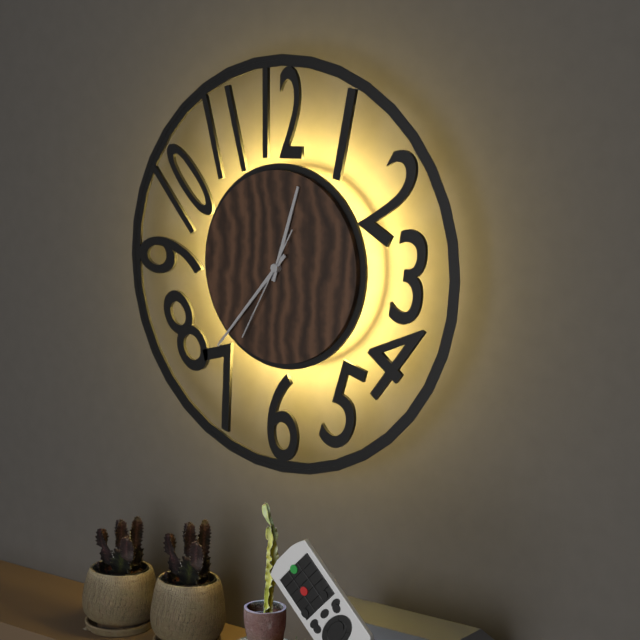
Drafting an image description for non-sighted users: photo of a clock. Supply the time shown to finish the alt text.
12:37:35
